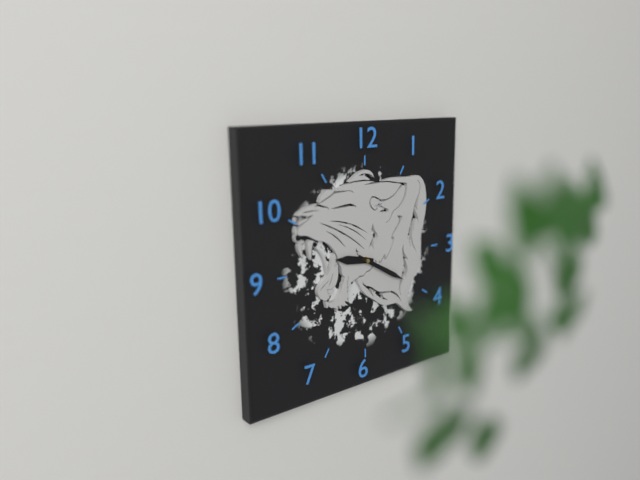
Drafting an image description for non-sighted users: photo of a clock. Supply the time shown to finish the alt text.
9:20
